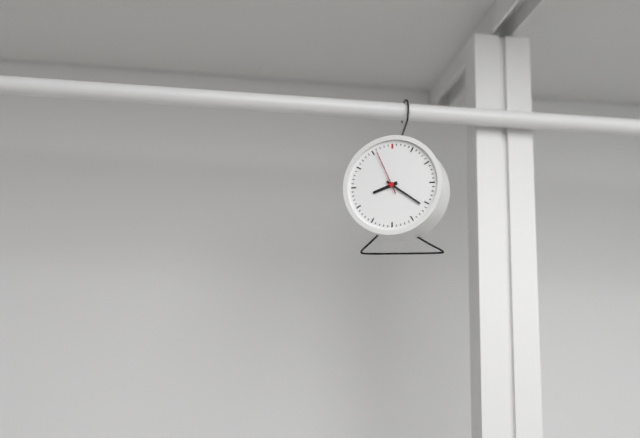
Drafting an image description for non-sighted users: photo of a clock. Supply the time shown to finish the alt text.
8:21
